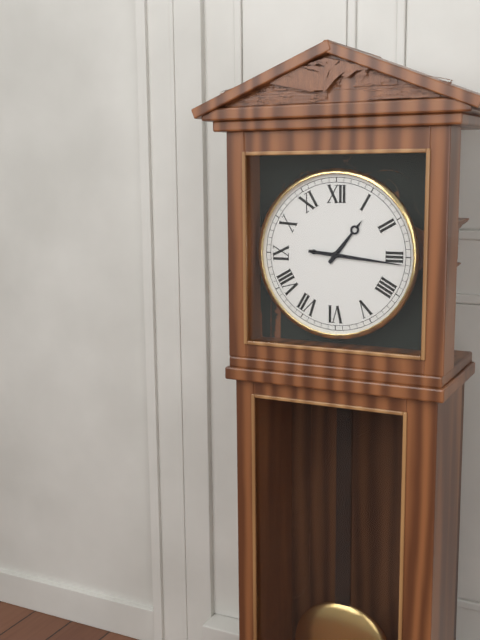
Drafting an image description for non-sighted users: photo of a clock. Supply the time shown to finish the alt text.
1:16
